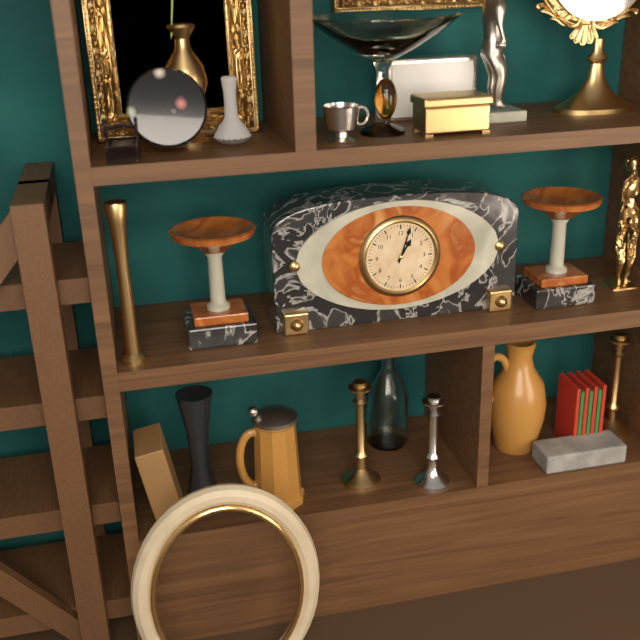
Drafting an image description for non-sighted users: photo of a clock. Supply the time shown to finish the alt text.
1:03
